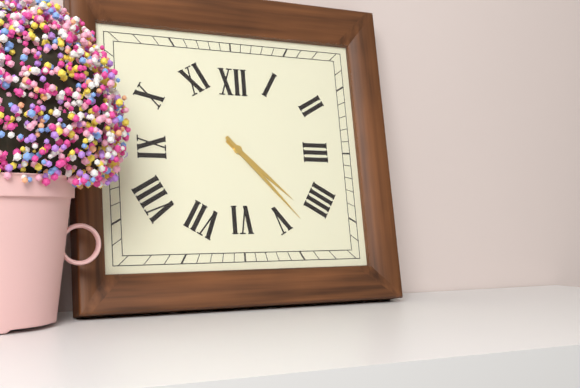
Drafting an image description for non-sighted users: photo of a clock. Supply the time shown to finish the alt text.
4:23
